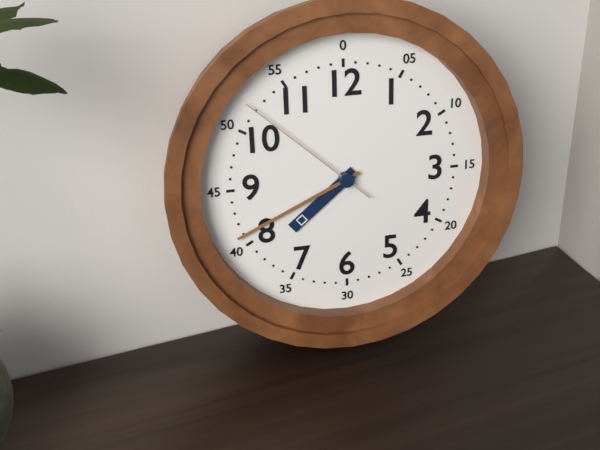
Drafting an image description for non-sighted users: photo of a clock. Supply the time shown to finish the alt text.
7:41:52
